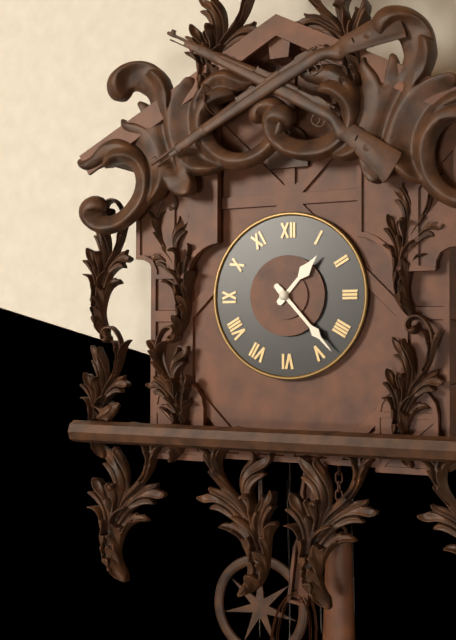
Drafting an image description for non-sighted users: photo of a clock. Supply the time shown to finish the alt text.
1:23
